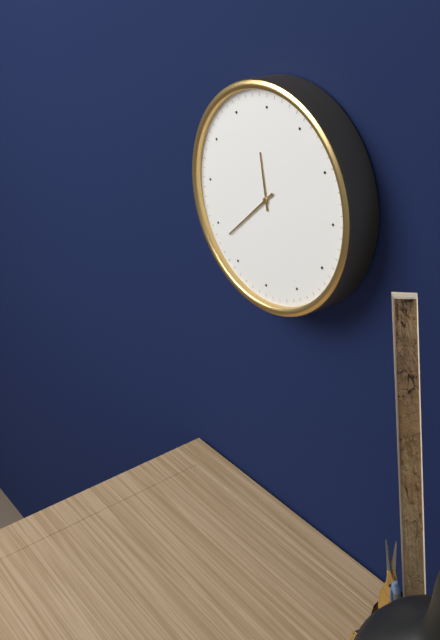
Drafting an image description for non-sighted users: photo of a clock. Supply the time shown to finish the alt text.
11:38
